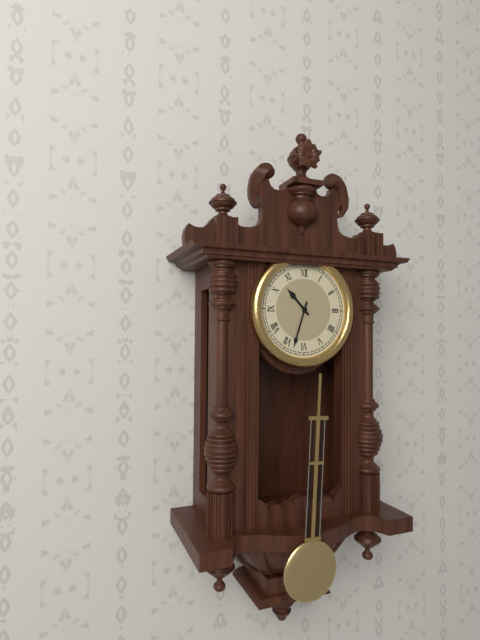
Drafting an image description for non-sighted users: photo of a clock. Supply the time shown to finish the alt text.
10:33
